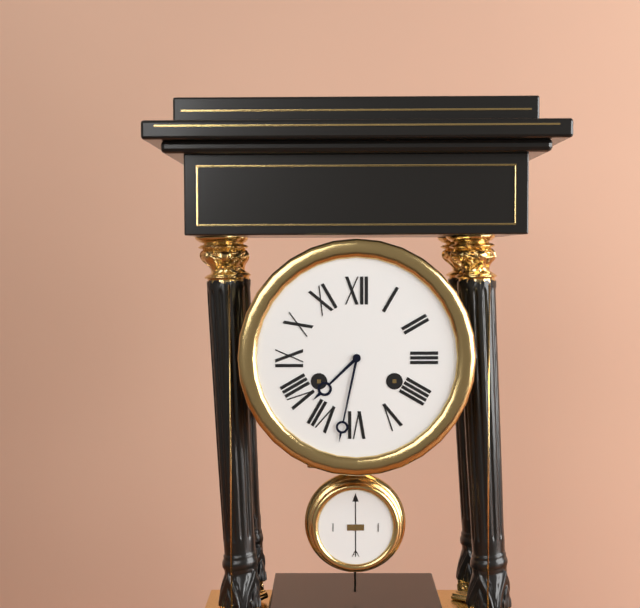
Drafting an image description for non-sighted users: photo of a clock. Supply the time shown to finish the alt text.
7:32
